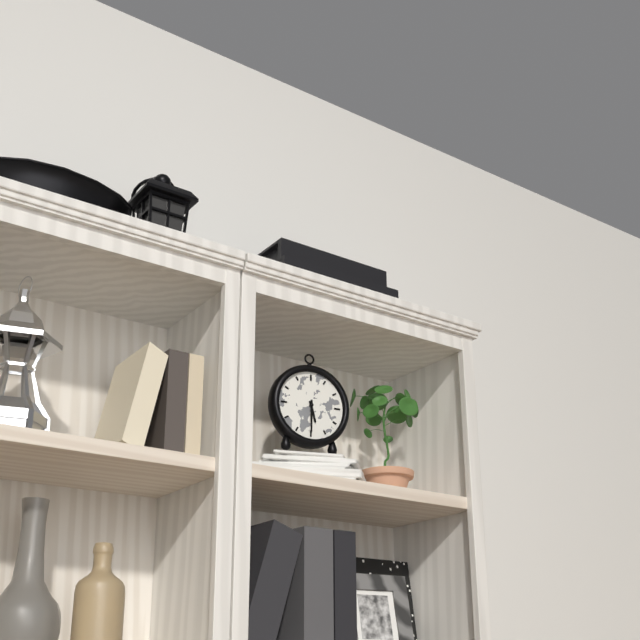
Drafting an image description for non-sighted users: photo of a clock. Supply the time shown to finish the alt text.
5:30
